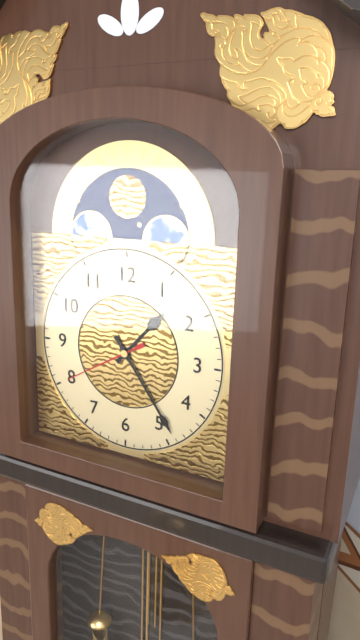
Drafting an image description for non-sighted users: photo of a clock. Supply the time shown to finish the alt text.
1:24:40
